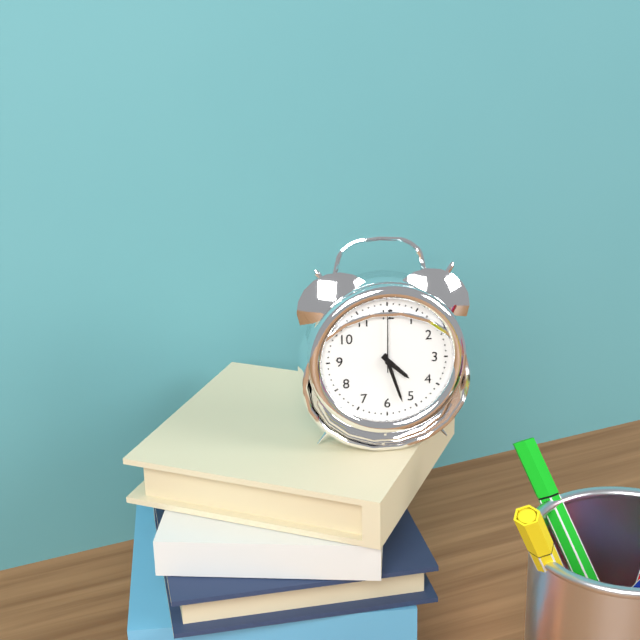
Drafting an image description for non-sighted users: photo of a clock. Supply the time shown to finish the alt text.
4:27:00
